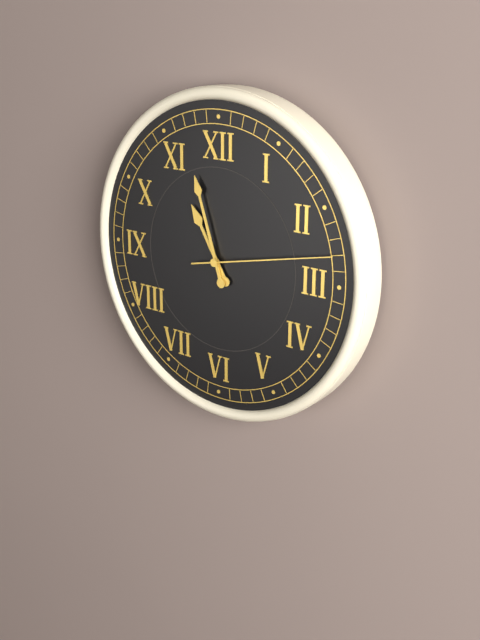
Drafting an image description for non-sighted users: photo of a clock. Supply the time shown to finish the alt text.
10:57:13
